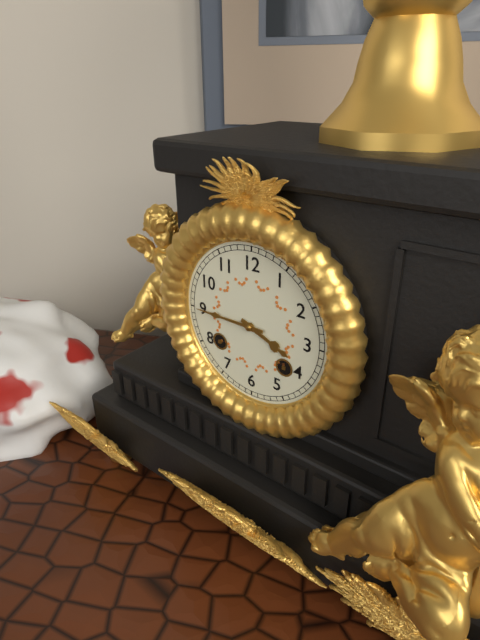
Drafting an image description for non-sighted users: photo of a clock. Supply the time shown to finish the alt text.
3:45
